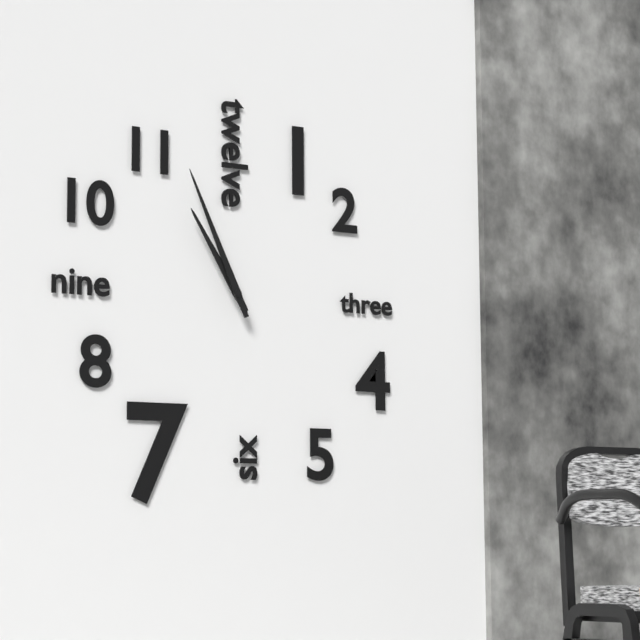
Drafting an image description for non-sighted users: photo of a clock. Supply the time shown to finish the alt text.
10:56
